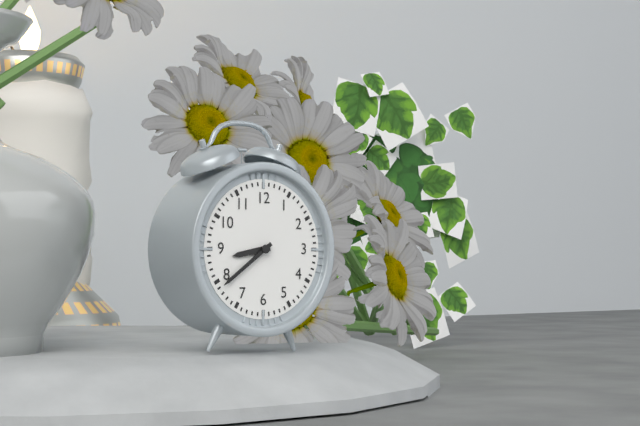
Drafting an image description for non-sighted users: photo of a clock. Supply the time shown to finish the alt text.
8:39
